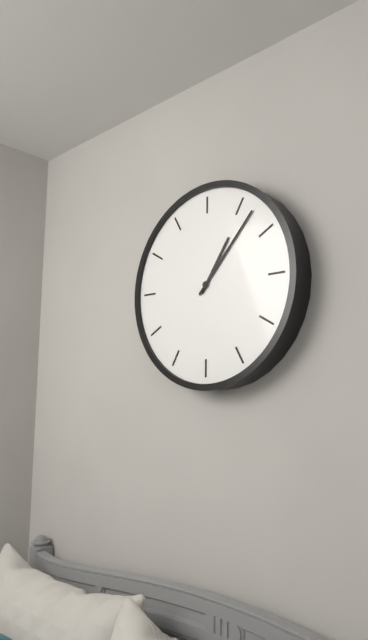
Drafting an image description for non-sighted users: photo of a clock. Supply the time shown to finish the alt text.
1:07
